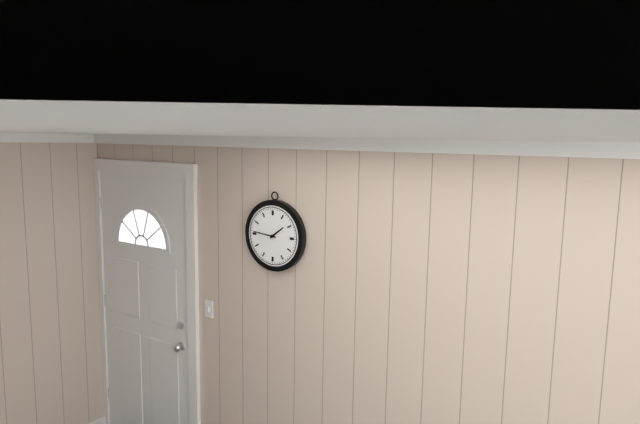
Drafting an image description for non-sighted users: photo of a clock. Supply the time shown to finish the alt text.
1:46
